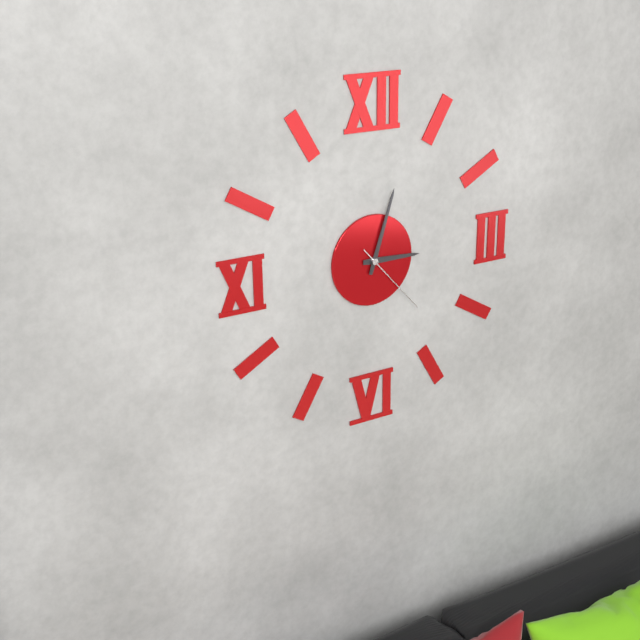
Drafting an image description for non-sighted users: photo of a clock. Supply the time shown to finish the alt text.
3:03:23
